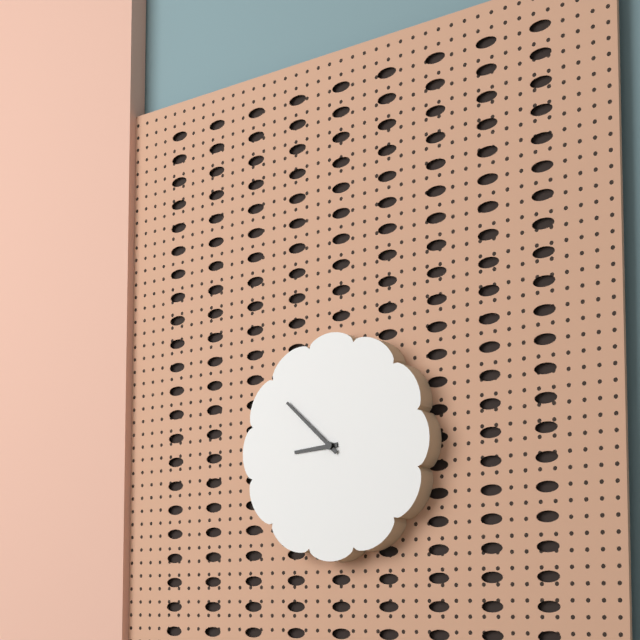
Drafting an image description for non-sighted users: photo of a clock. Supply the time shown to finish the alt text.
8:52
